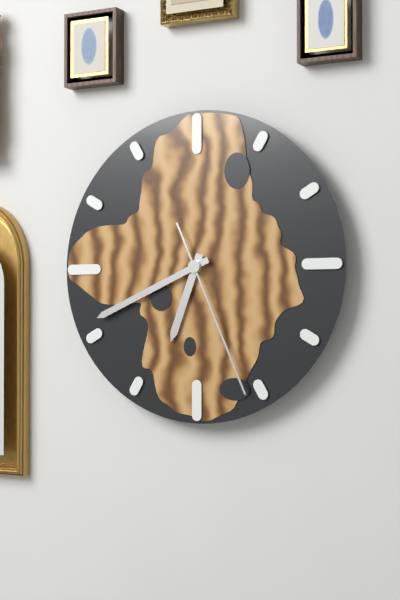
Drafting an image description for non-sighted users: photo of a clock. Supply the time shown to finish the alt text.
6:41:26
